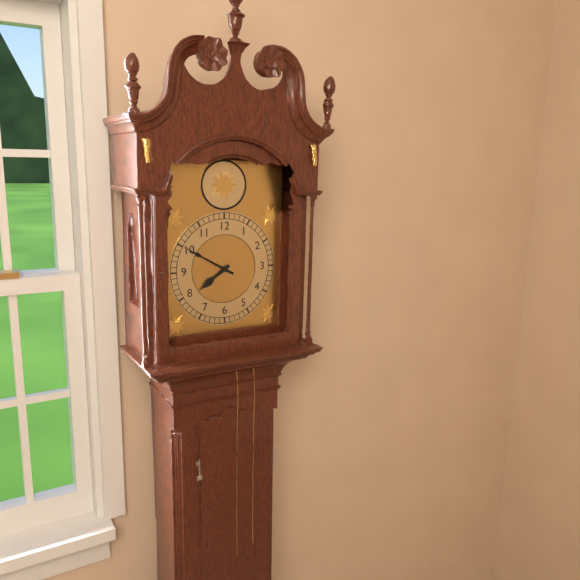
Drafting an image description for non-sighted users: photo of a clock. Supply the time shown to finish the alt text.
7:50
